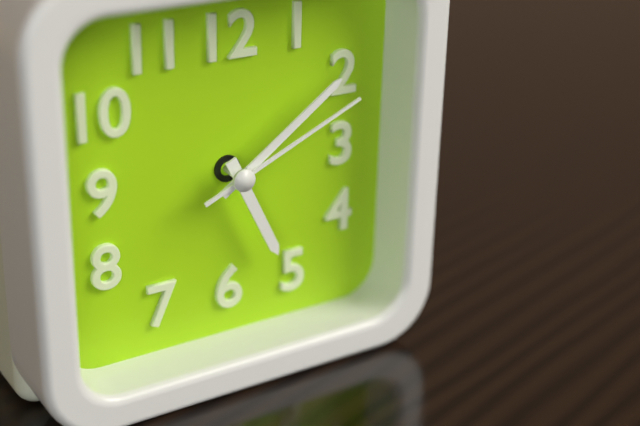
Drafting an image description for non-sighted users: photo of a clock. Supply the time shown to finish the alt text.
5:09:11
